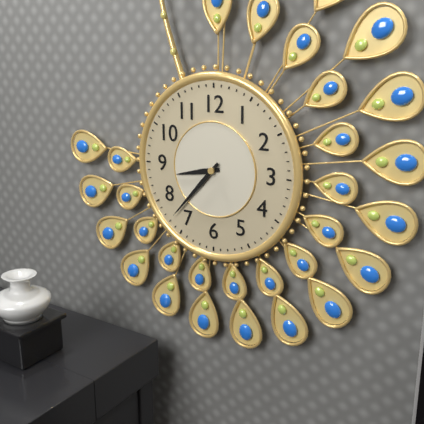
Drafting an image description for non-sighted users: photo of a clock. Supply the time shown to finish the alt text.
8:37
